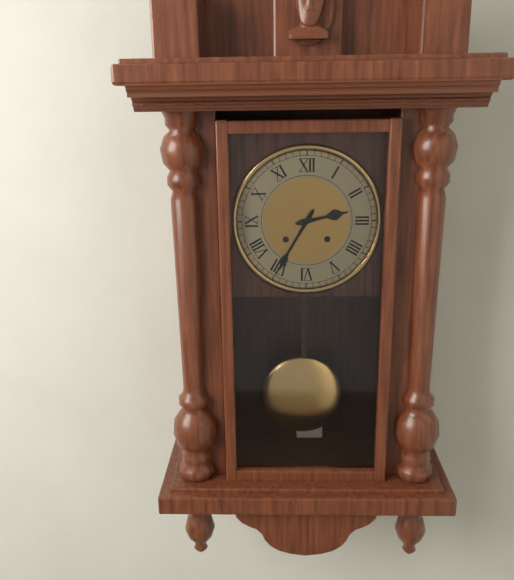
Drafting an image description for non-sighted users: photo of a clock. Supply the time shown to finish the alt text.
2:35
